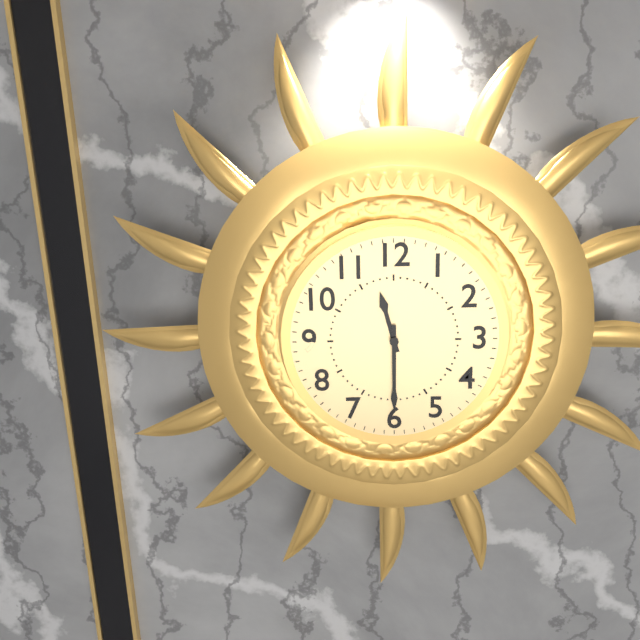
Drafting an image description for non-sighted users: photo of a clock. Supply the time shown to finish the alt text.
11:30
